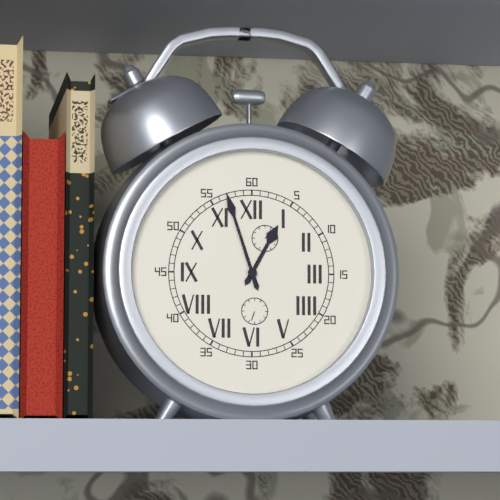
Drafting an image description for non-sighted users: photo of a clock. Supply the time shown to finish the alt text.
12:57
